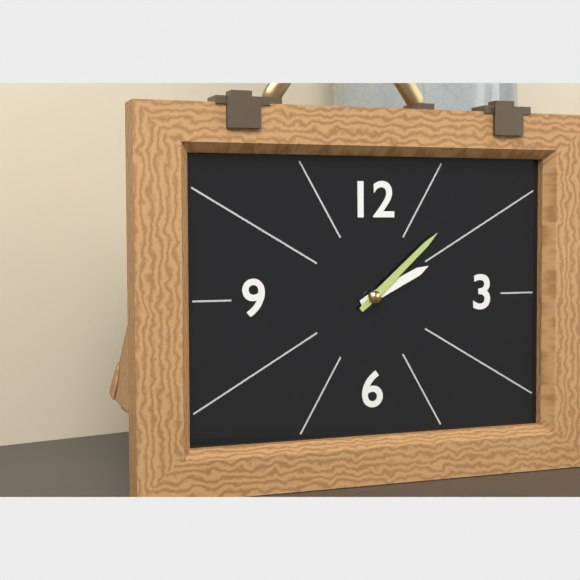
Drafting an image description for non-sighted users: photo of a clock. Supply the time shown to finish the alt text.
2:08
